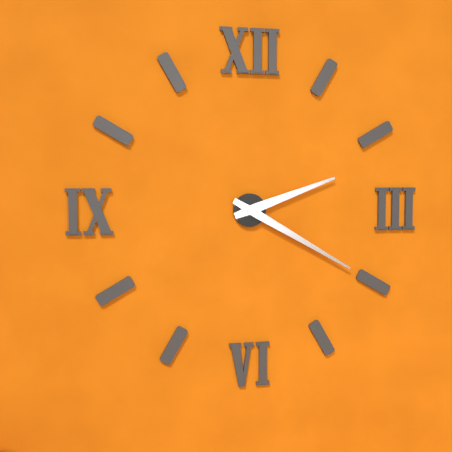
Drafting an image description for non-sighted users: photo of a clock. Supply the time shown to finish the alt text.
2:20
